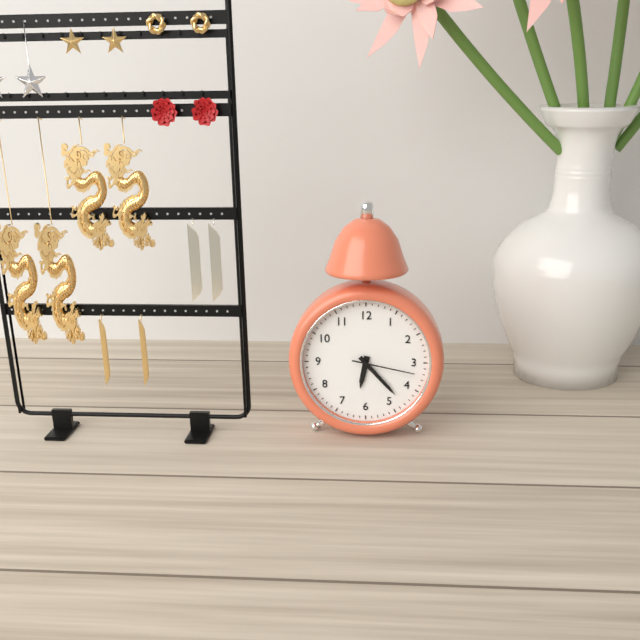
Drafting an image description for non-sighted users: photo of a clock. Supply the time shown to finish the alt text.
6:23:17
